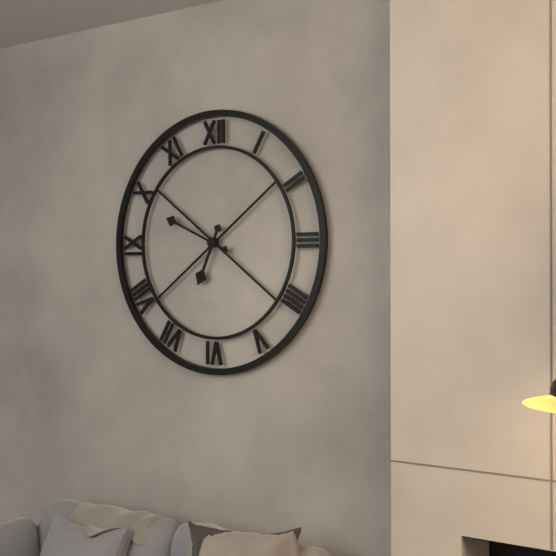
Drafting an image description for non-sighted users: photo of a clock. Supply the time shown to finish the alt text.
6:49
